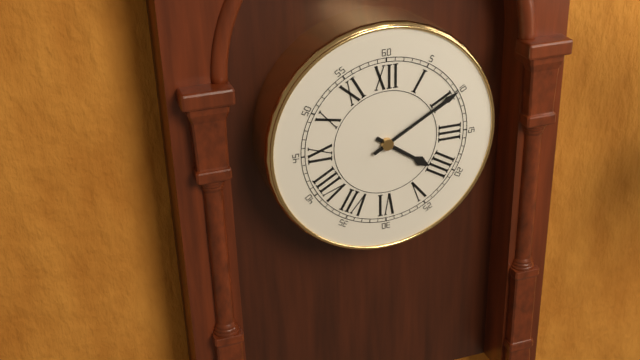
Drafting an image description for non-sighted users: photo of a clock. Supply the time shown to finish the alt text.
4:10
